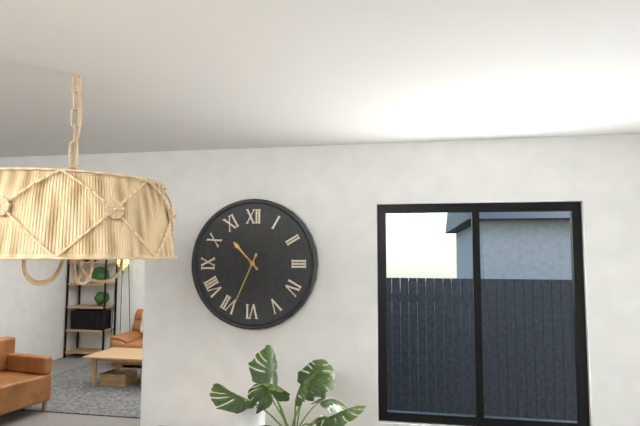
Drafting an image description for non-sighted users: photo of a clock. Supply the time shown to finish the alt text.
10:34
